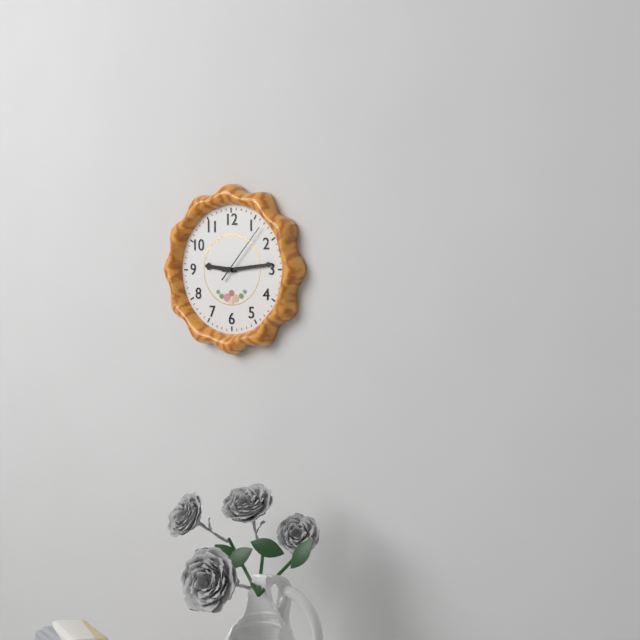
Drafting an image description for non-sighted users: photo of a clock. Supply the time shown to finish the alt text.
9:14:07
